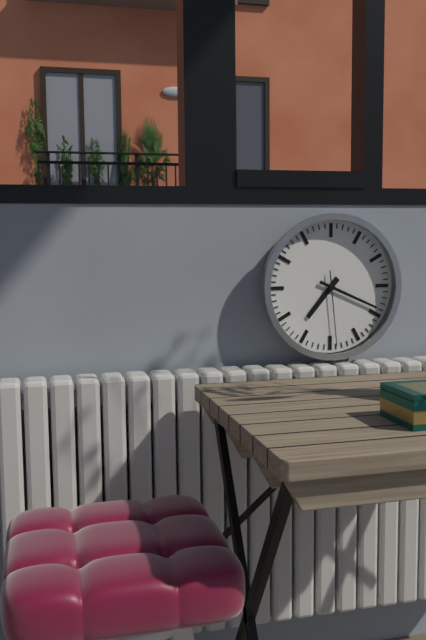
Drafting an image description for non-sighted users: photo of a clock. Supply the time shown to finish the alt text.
7:19:29
